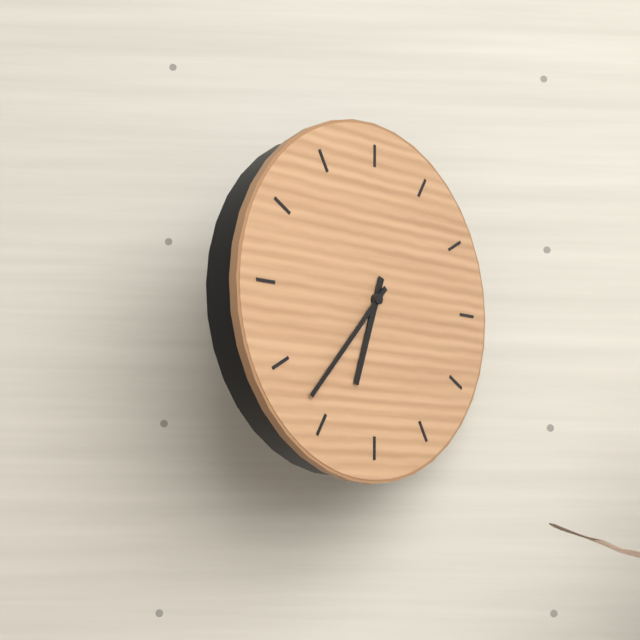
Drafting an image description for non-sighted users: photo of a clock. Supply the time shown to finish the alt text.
6:37
